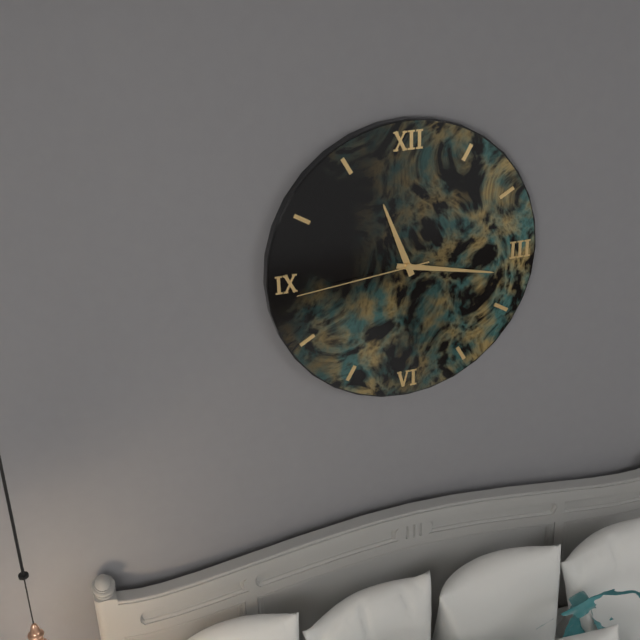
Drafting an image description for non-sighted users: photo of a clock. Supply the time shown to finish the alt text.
11:17:44
